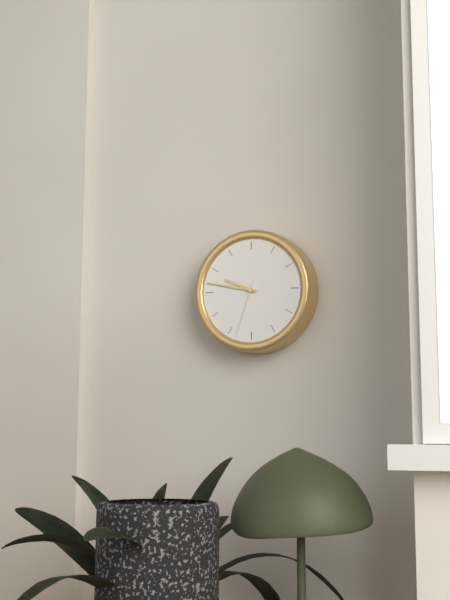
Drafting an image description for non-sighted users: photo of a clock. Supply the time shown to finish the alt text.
9:47:33
